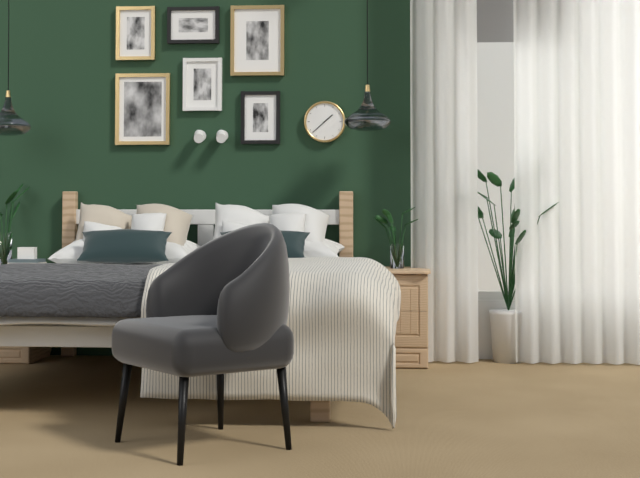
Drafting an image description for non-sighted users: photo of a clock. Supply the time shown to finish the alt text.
1:38
